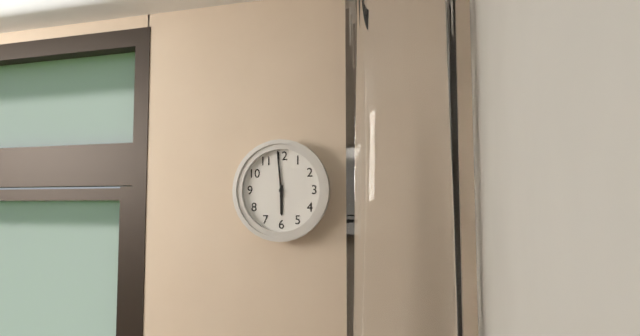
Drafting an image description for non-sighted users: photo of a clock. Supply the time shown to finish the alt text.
5:59
